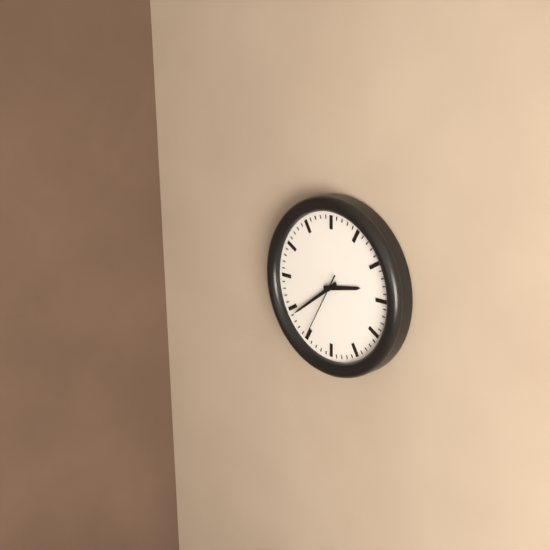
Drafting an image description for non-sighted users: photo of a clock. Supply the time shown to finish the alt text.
2:39:35
